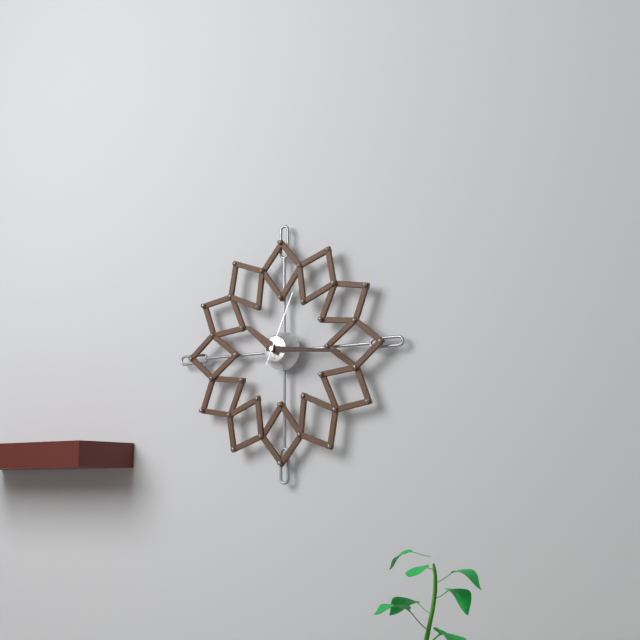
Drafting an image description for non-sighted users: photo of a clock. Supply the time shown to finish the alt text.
10:16:04
